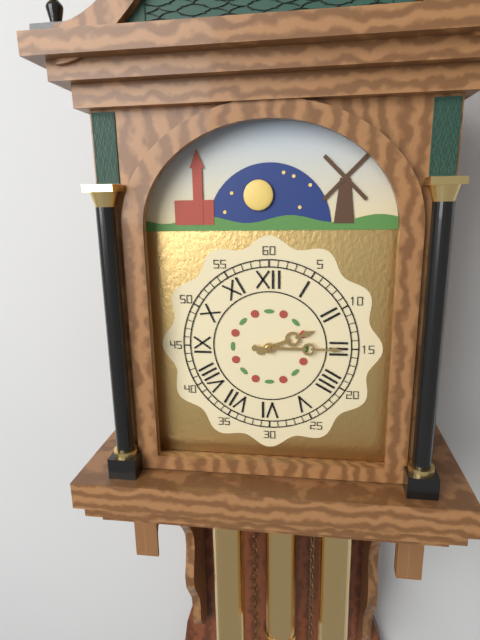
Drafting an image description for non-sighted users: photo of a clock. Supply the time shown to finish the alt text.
2:15
